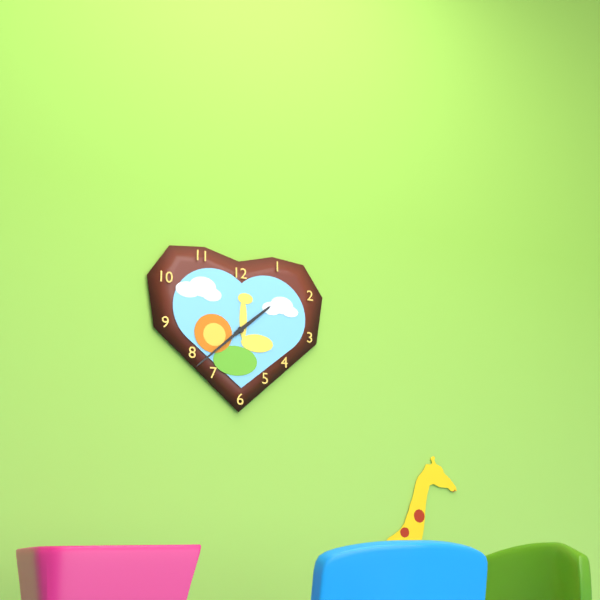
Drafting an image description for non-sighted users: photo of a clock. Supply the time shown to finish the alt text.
1:38
